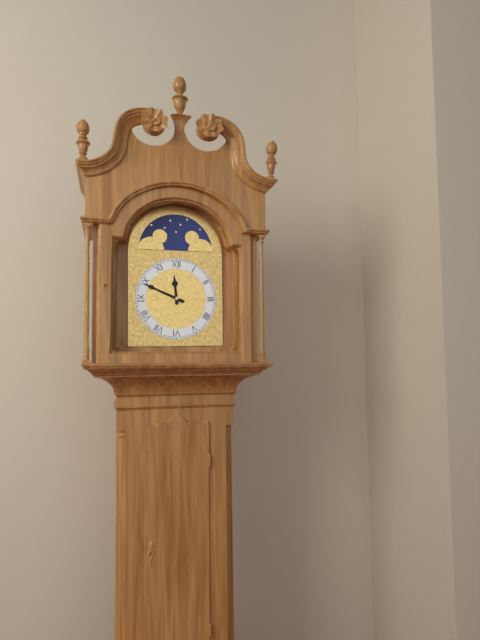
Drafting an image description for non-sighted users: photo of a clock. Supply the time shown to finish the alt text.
11:49
